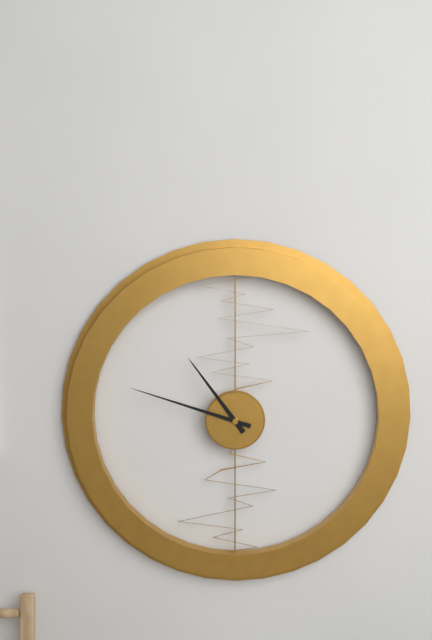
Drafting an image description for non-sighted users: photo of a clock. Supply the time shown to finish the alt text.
10:48
